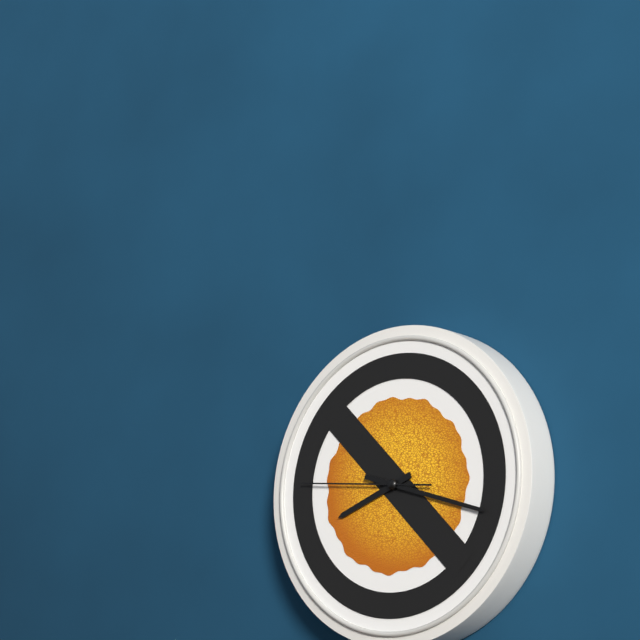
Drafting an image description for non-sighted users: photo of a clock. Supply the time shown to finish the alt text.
8:18:46
